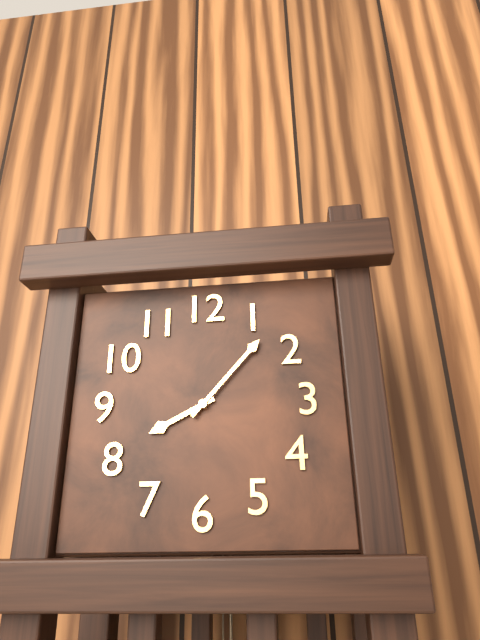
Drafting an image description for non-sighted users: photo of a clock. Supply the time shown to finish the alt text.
8:07
